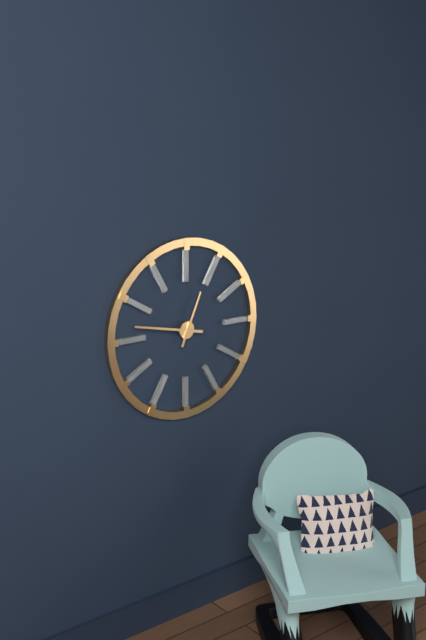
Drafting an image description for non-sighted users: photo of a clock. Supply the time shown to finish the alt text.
12:47
